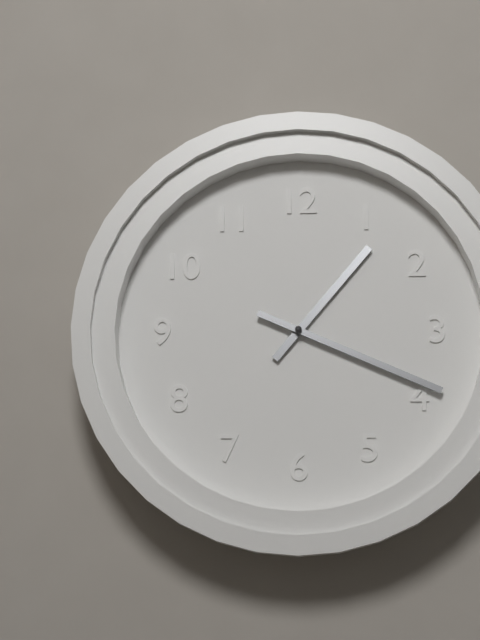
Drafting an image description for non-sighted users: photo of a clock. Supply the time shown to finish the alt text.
1:19
